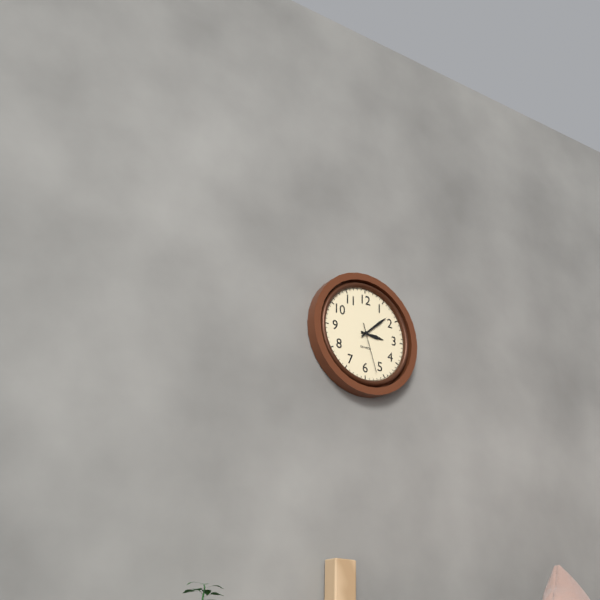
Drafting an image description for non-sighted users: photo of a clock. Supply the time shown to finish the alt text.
3:08:27
